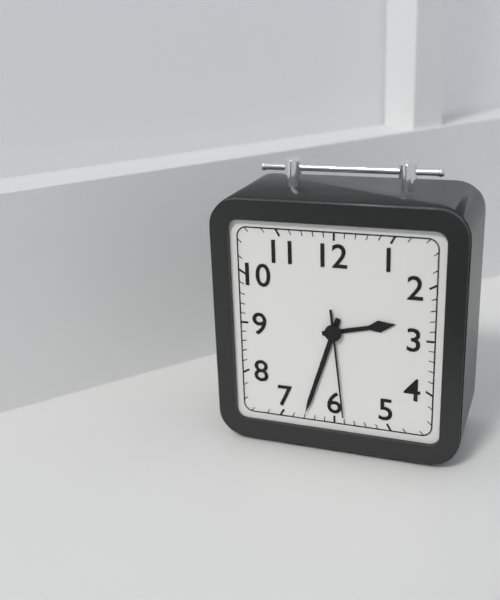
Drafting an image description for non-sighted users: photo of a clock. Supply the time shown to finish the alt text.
2:33:29
